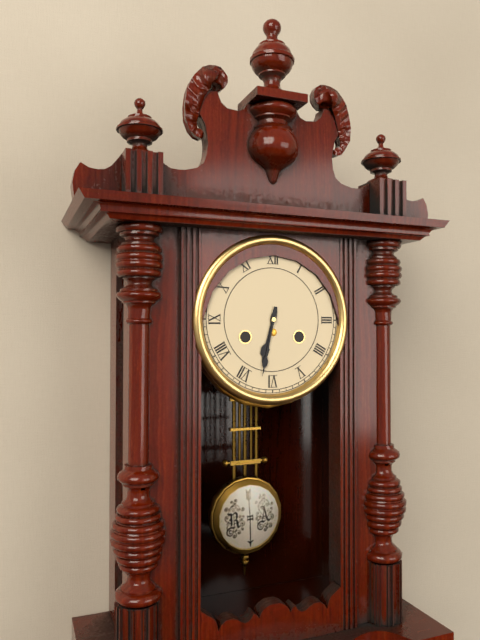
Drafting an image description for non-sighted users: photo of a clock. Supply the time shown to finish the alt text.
6:32
